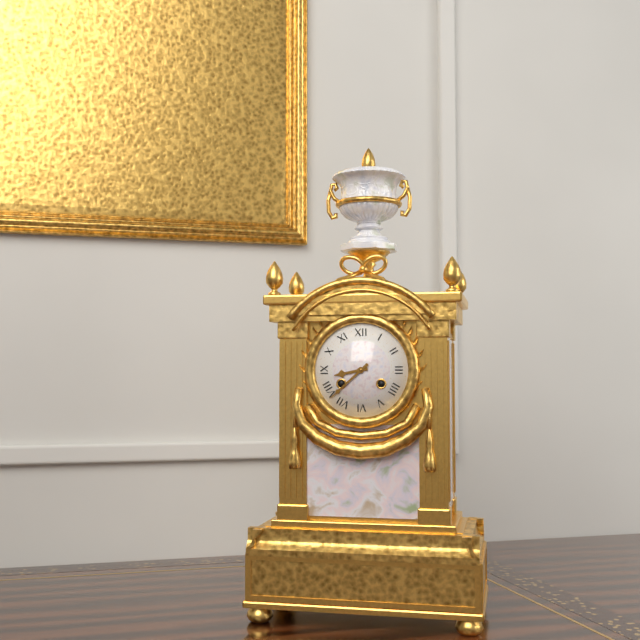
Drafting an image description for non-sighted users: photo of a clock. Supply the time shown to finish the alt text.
8:38
